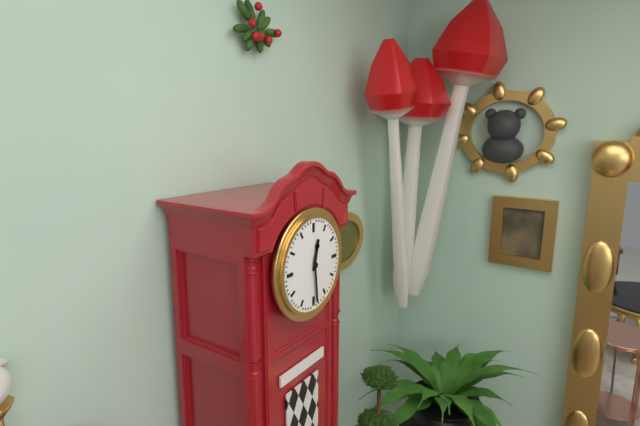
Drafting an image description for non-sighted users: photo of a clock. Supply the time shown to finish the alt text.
12:29
